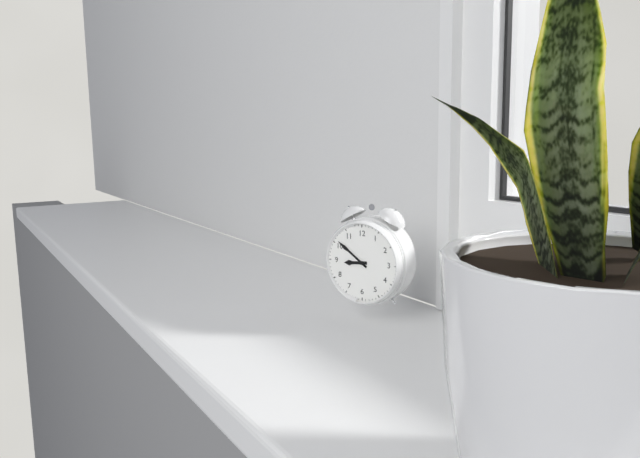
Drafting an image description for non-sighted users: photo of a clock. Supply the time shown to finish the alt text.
8:51
